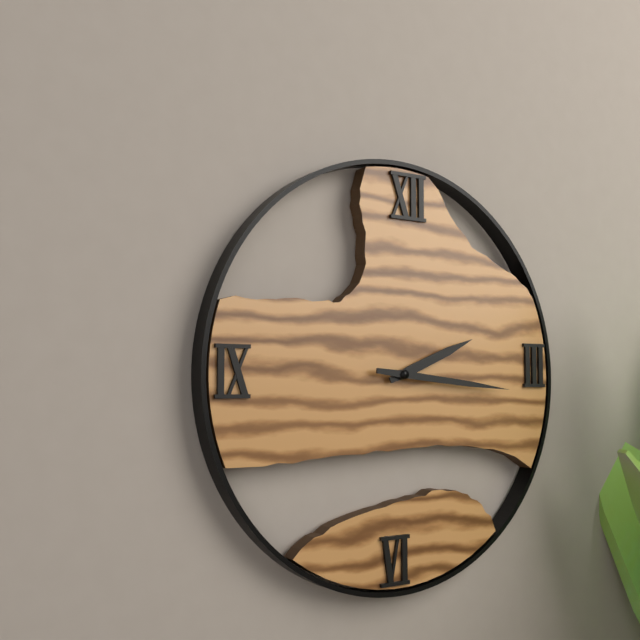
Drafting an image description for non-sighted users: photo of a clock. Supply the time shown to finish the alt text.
2:16
